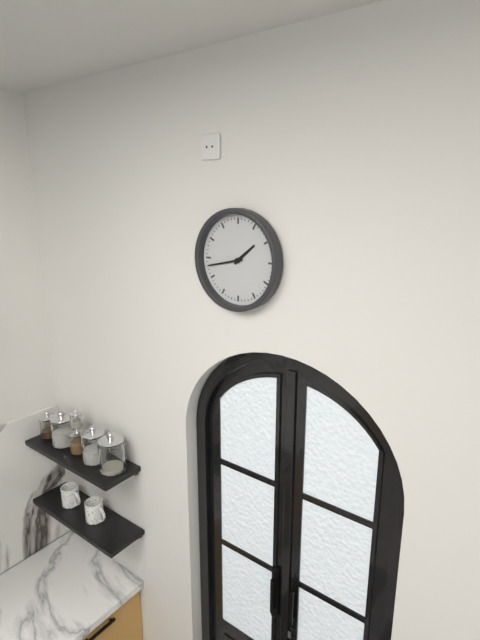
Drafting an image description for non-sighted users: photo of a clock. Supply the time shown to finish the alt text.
1:43
